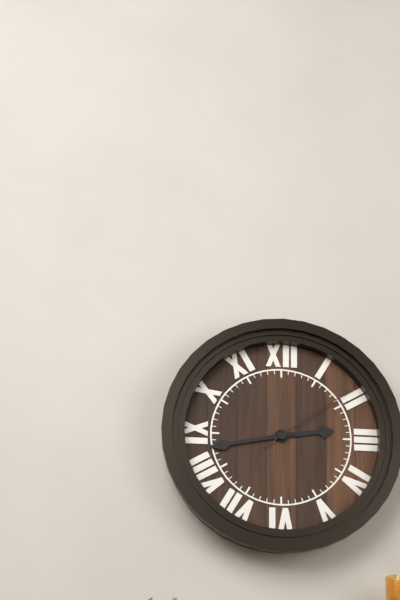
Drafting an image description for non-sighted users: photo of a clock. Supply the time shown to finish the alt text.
2:43:09
